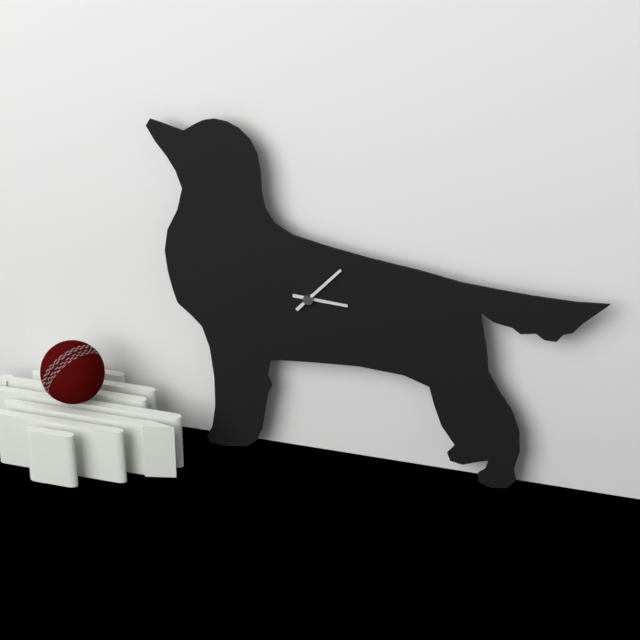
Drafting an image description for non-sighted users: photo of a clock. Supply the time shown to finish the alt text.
3:07
